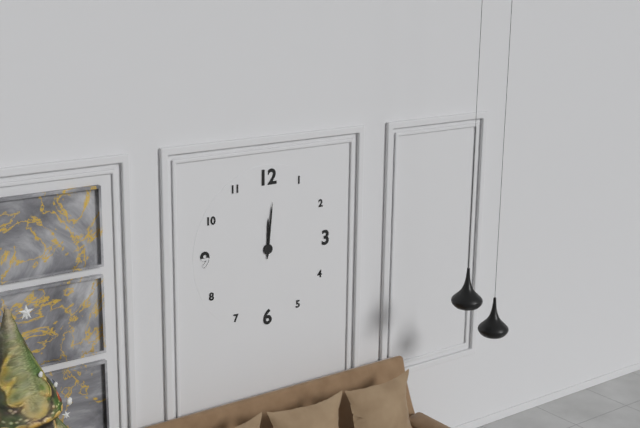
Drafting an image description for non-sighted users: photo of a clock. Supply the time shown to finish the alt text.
12:01
